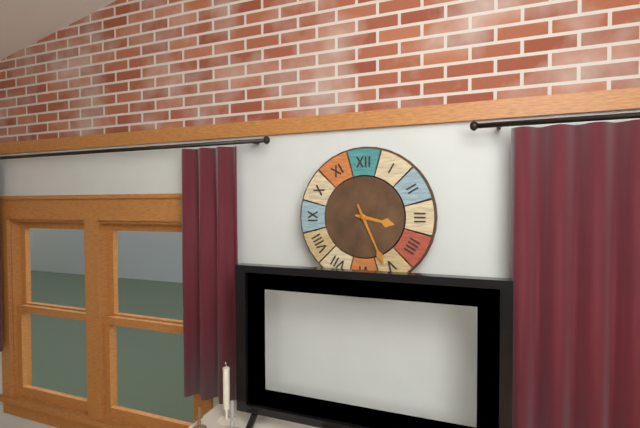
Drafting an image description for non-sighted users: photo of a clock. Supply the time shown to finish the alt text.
3:26
